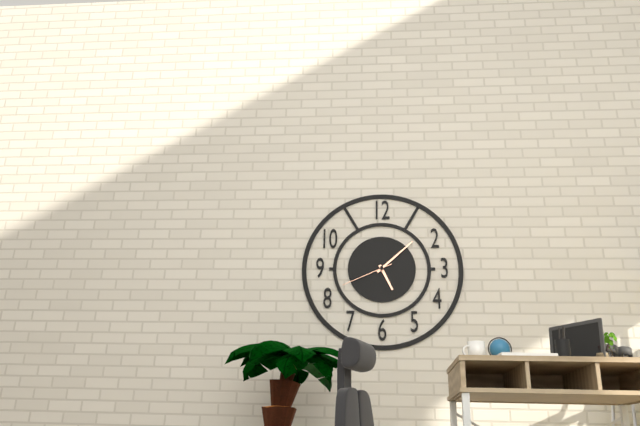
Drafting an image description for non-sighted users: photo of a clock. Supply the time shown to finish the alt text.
5:08:41
